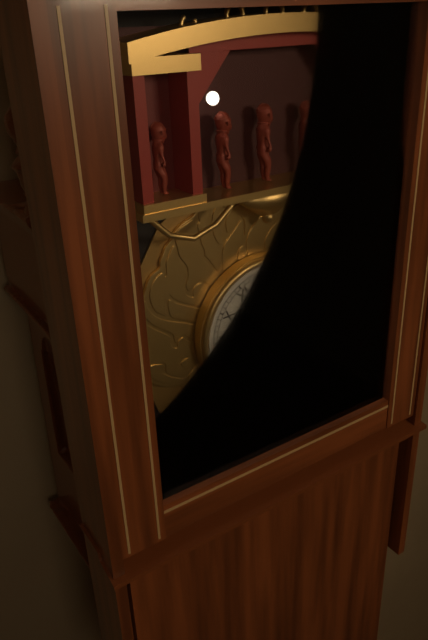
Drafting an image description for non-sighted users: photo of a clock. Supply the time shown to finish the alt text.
3:32
